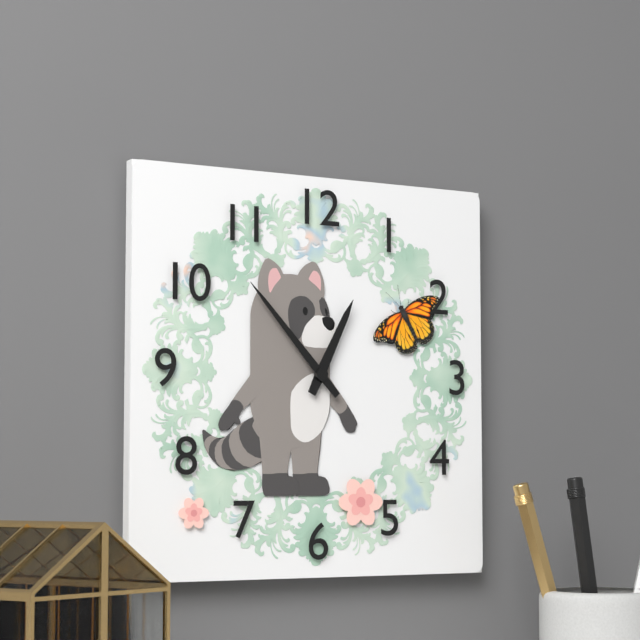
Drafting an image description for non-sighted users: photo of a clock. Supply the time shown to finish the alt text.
12:53
